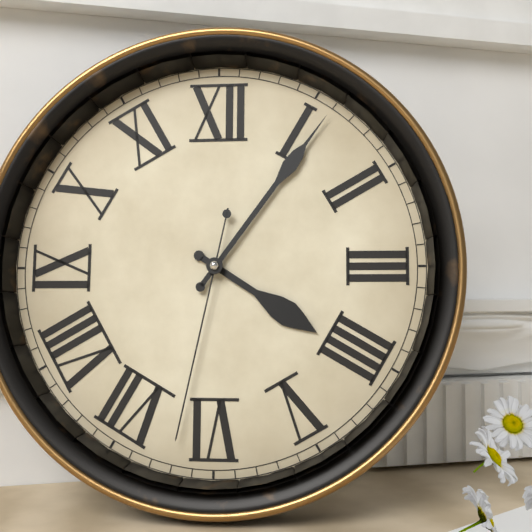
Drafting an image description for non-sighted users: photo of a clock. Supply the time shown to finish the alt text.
4:06:32
